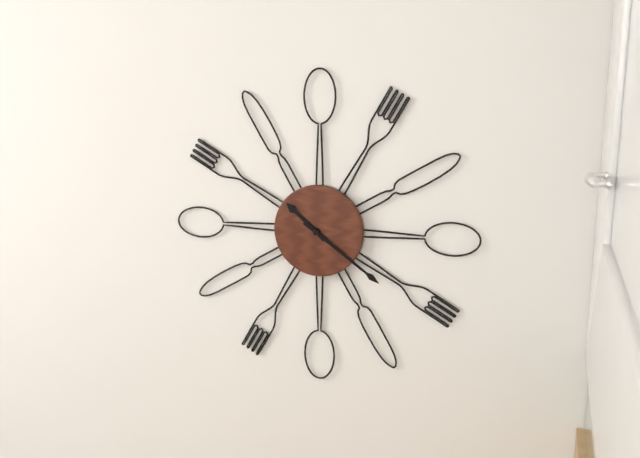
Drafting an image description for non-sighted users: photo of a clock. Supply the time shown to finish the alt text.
10:21
